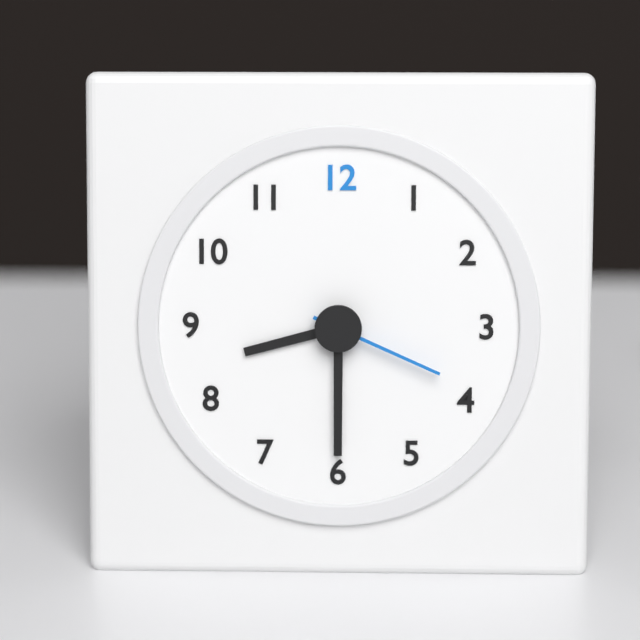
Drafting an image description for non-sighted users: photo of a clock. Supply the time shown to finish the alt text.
8:30:19
